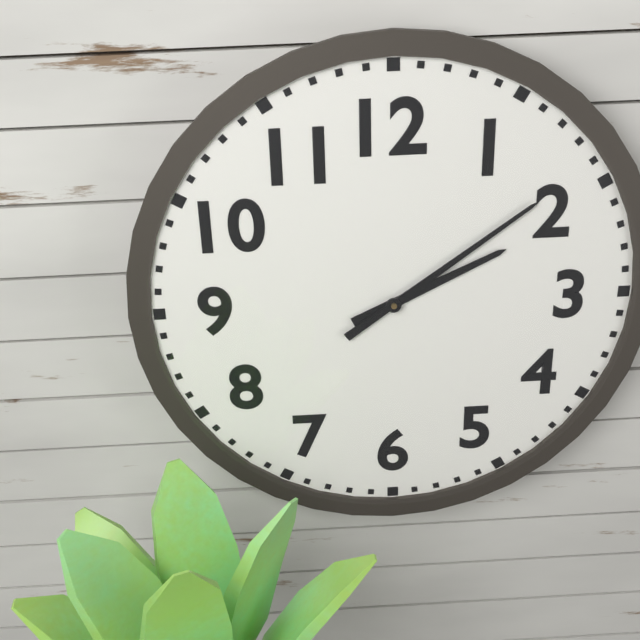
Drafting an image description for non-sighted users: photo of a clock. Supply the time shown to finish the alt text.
2:09
